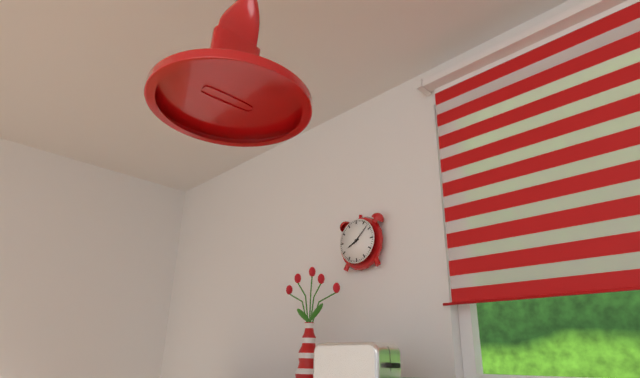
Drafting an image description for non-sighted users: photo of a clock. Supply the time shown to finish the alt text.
8:08
